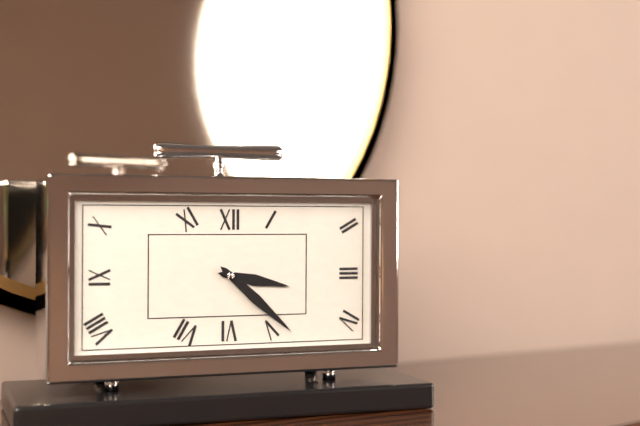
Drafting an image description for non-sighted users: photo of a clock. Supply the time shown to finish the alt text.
3:22
